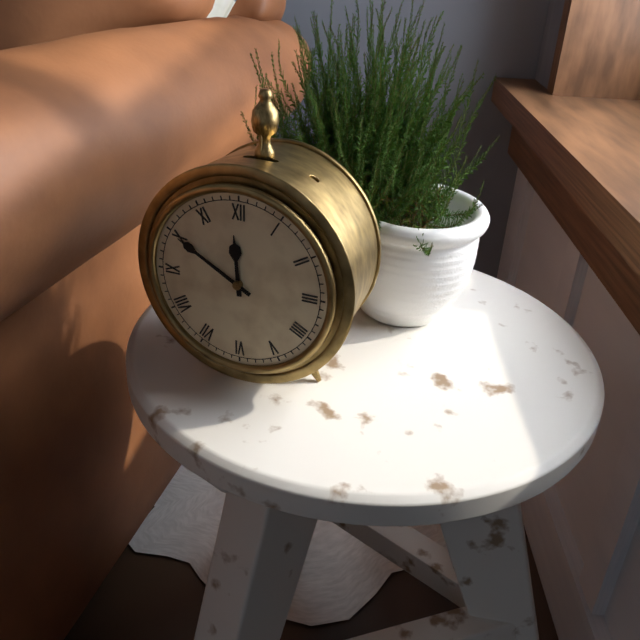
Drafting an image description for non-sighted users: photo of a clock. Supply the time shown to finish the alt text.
11:50
